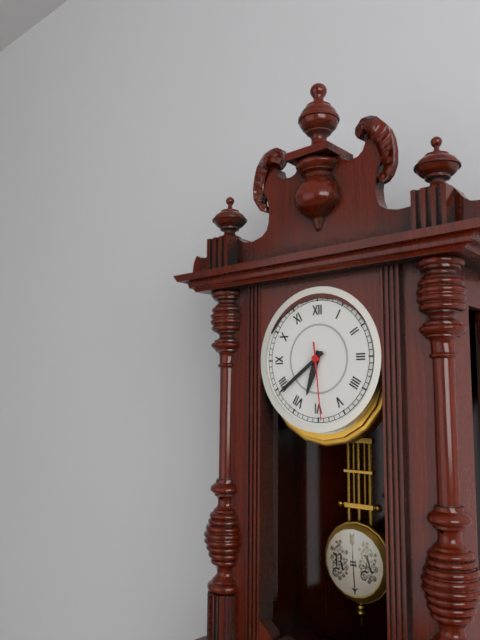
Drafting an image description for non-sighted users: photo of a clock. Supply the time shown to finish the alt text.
6:39:29
